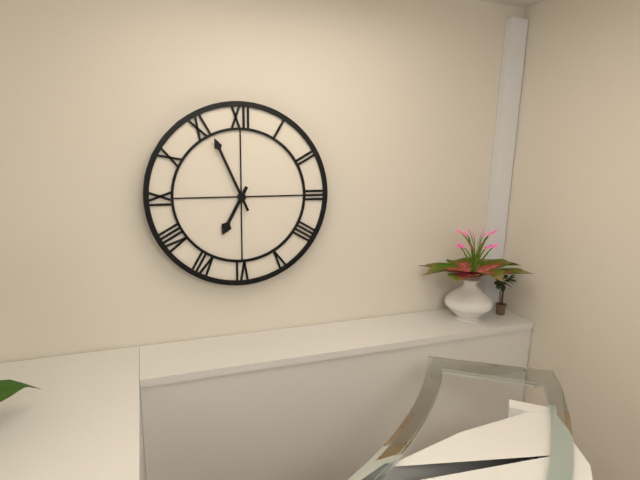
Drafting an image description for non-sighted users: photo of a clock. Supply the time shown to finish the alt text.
6:56
